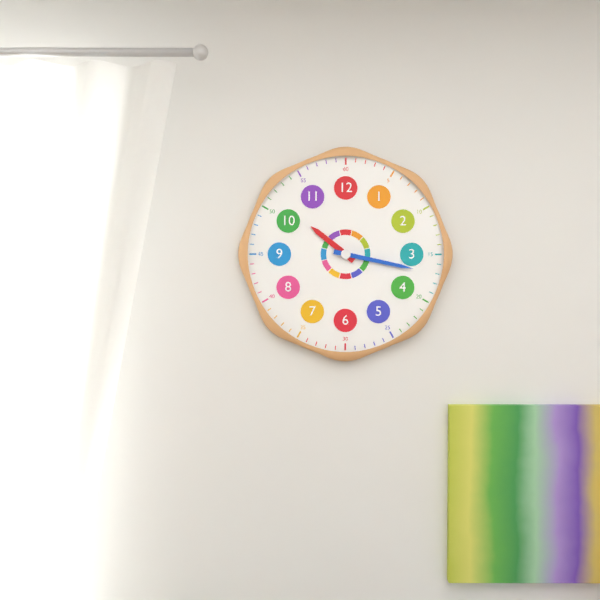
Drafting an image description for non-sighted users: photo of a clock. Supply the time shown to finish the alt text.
10:17
